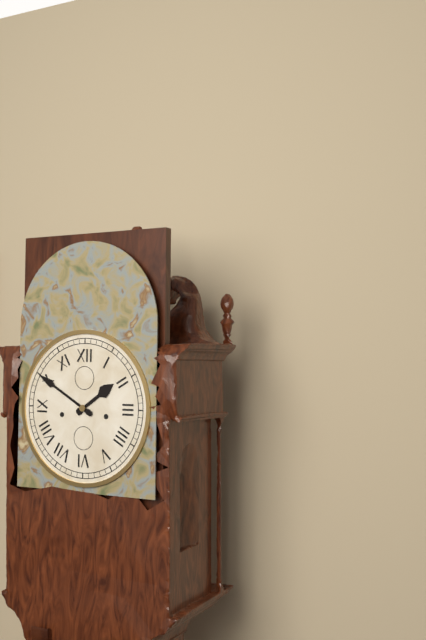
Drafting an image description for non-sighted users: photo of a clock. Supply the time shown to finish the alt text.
1:50
